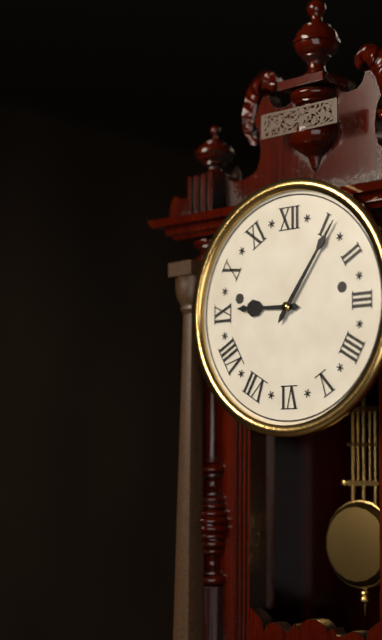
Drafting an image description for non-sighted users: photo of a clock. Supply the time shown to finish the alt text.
9:06
